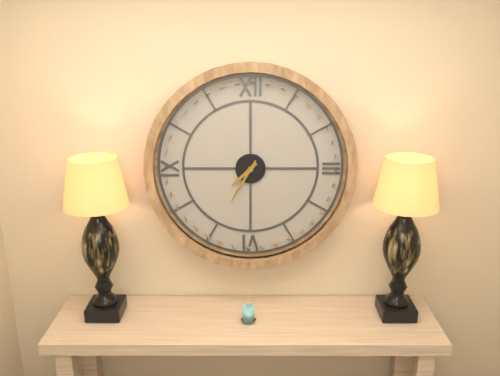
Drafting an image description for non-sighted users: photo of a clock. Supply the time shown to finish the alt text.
7:35
